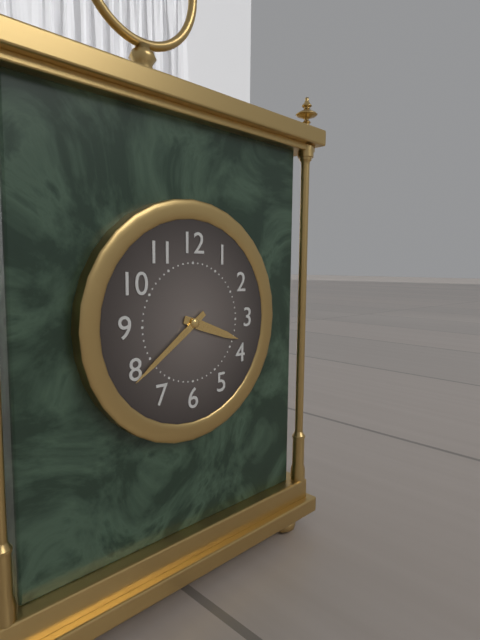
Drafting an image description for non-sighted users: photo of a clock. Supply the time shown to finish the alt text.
3:39
